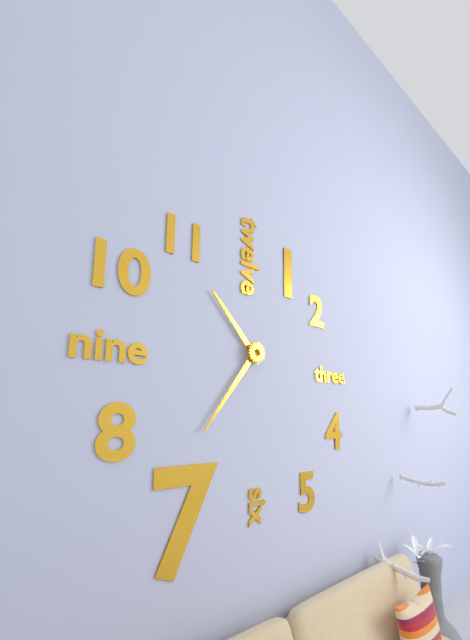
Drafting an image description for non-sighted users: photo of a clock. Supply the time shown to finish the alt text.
10:36
